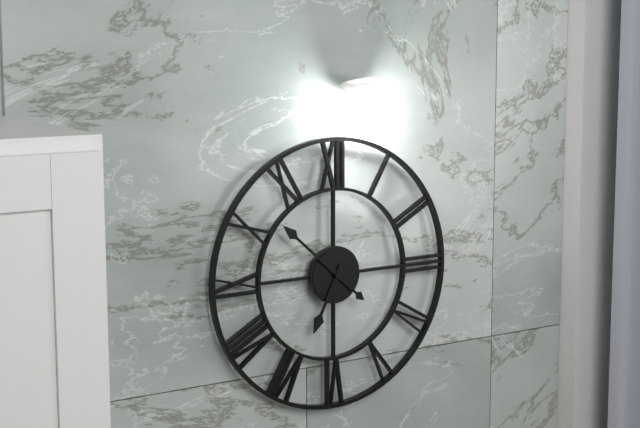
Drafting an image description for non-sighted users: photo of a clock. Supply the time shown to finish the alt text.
6:52
